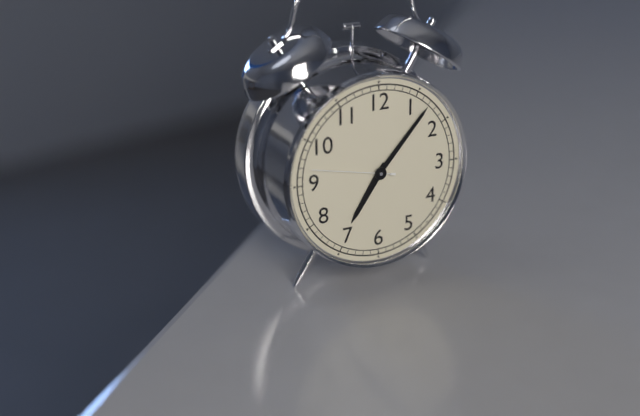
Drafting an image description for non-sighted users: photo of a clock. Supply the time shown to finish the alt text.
7:07:47
